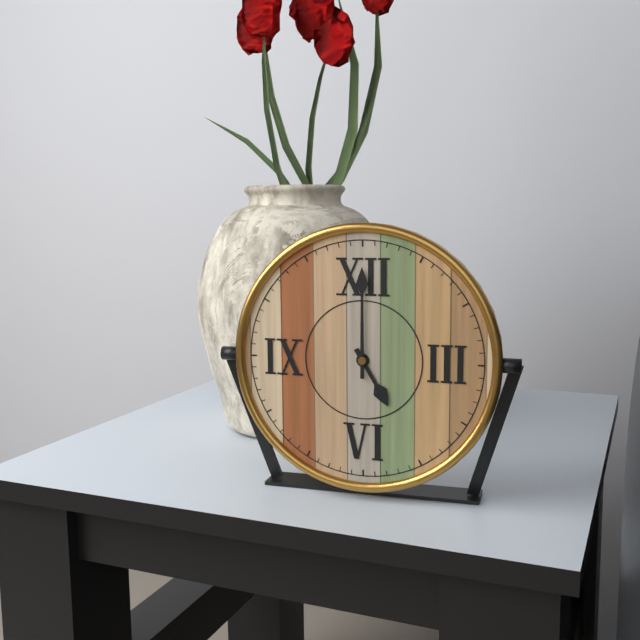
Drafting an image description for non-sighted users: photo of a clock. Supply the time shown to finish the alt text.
5:00
